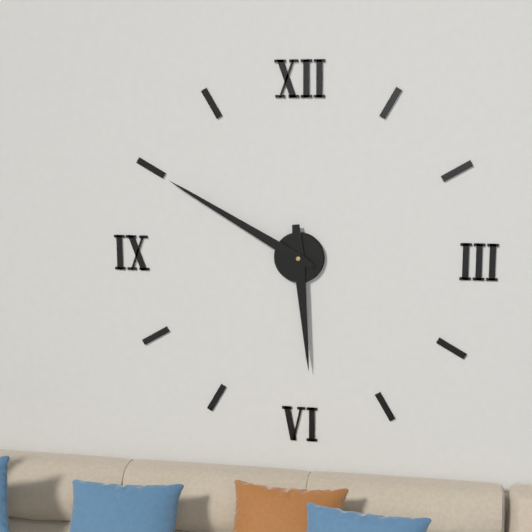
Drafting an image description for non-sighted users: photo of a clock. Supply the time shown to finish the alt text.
5:50
